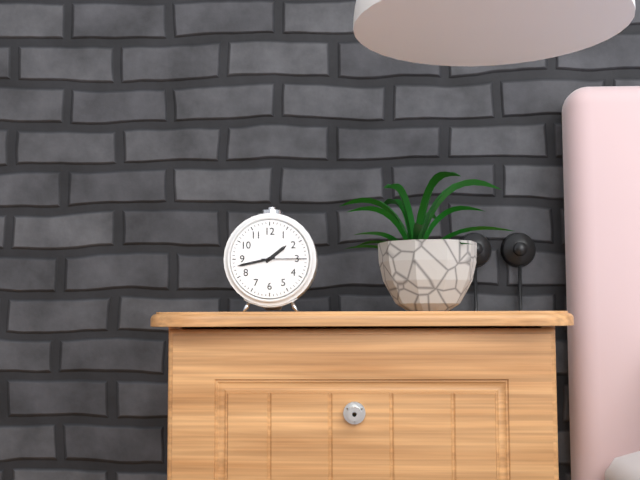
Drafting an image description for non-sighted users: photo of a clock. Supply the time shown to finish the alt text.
1:43
